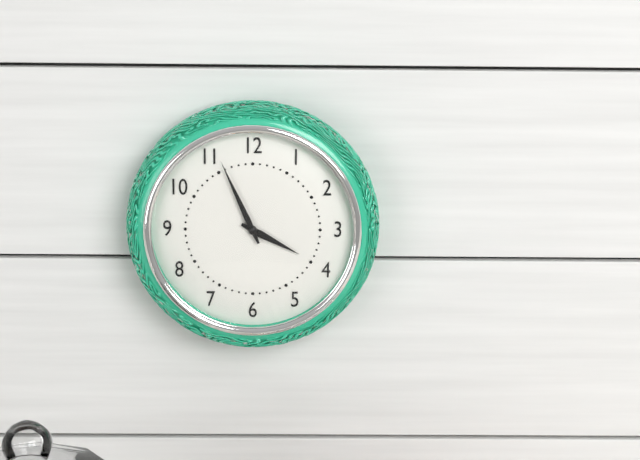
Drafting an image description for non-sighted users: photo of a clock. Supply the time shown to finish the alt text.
3:56
